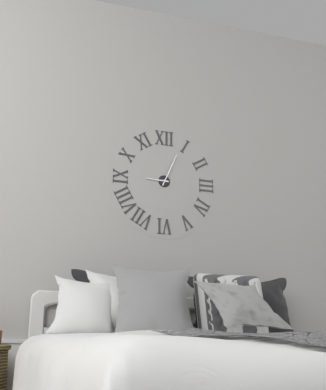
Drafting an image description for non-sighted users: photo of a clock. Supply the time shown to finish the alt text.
9:04
